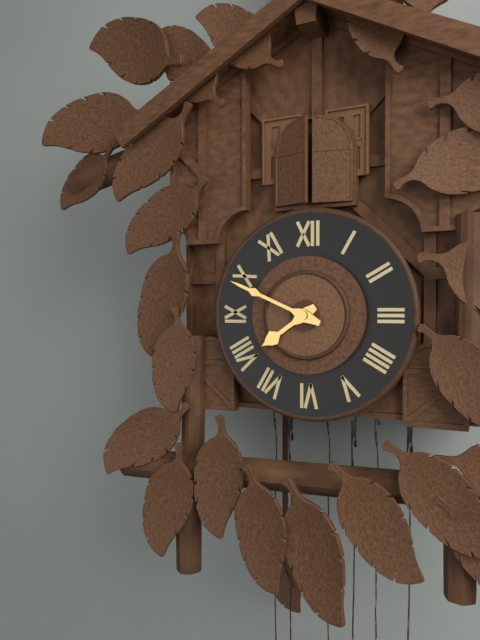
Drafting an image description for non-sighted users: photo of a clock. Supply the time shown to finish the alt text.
7:49
